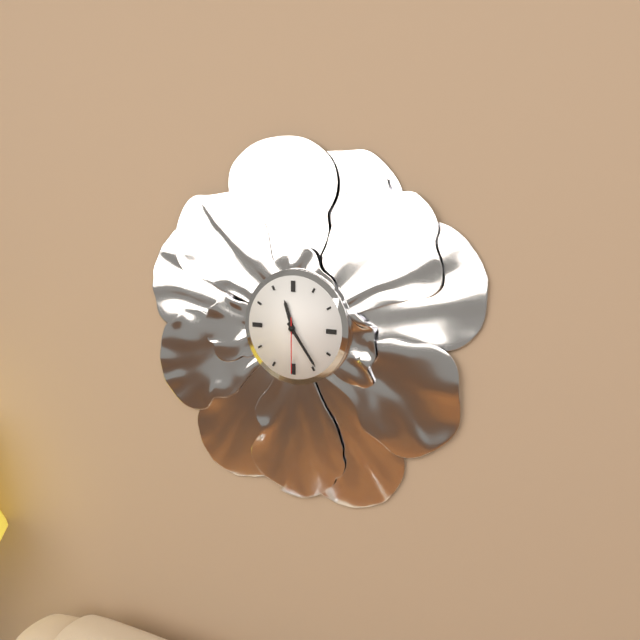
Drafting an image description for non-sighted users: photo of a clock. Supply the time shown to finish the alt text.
11:24:30
